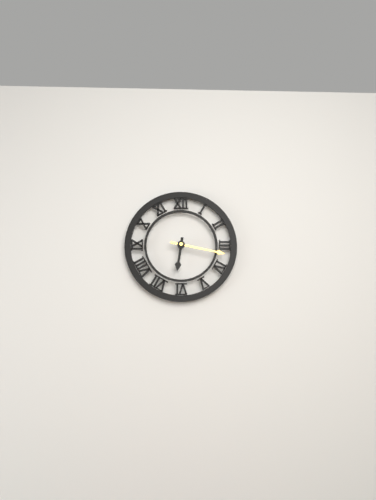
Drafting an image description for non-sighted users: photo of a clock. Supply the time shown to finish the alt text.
6:17
